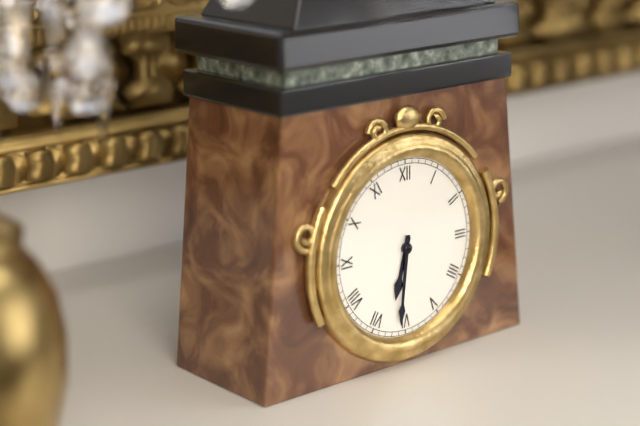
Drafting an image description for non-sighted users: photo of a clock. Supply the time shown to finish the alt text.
6:31
